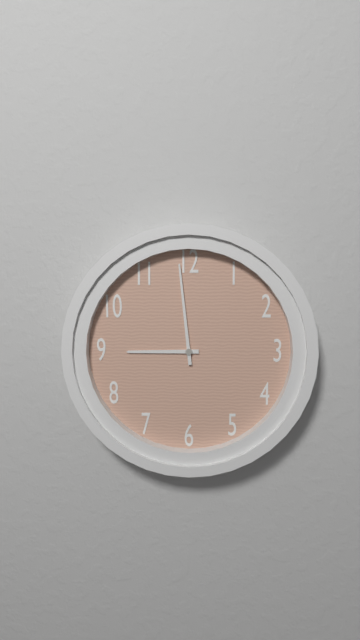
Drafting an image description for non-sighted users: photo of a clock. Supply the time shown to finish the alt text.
8:59
